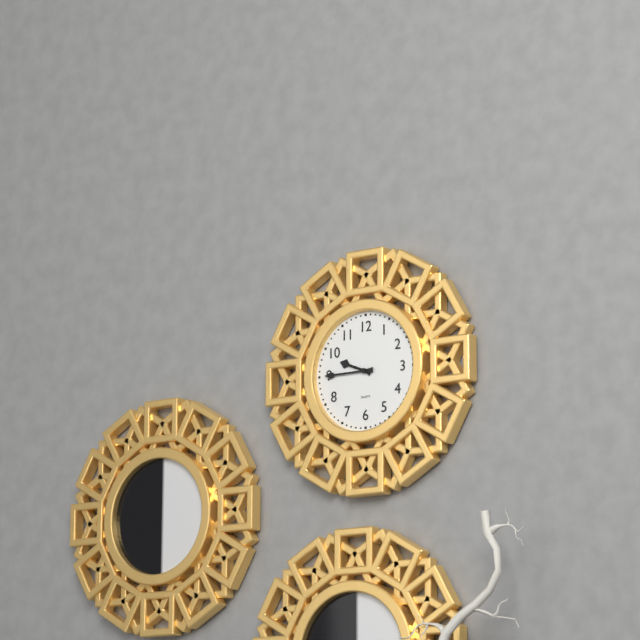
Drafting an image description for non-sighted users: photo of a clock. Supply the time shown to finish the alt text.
9:45
